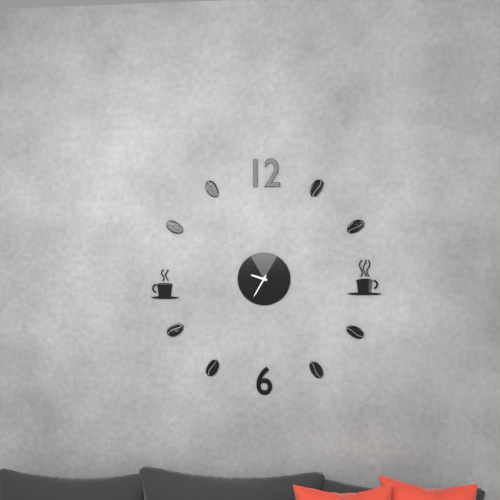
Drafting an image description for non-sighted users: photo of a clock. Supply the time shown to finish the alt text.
9:35
